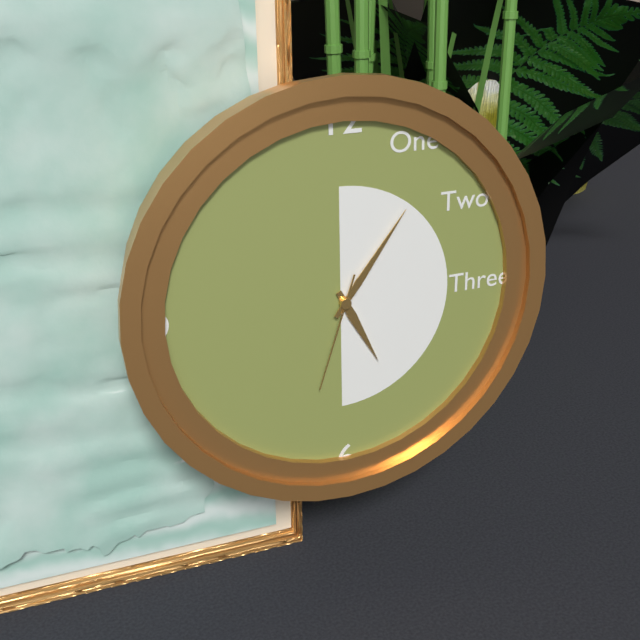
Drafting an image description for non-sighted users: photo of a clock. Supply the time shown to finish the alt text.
5:06:33
